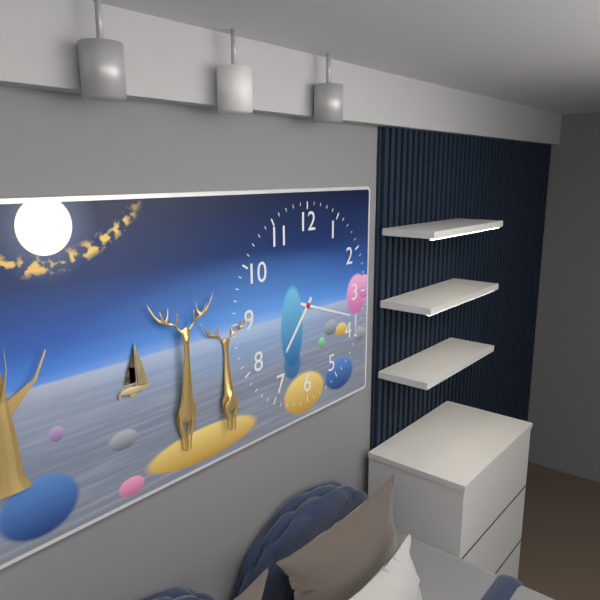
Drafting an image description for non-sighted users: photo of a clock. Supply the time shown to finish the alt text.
7:18
